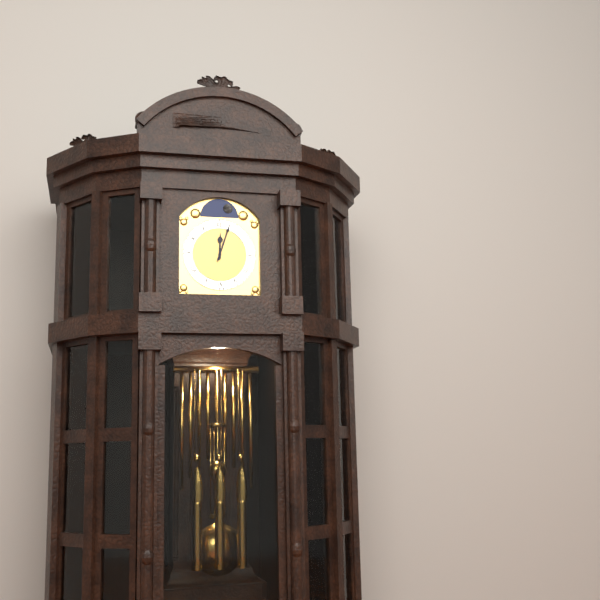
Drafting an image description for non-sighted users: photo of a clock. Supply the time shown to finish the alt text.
12:03
